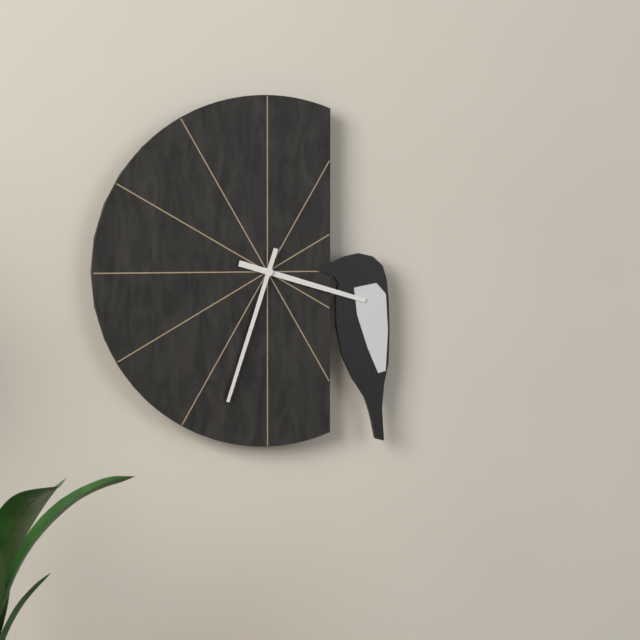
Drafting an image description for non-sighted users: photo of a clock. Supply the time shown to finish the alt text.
3:33
